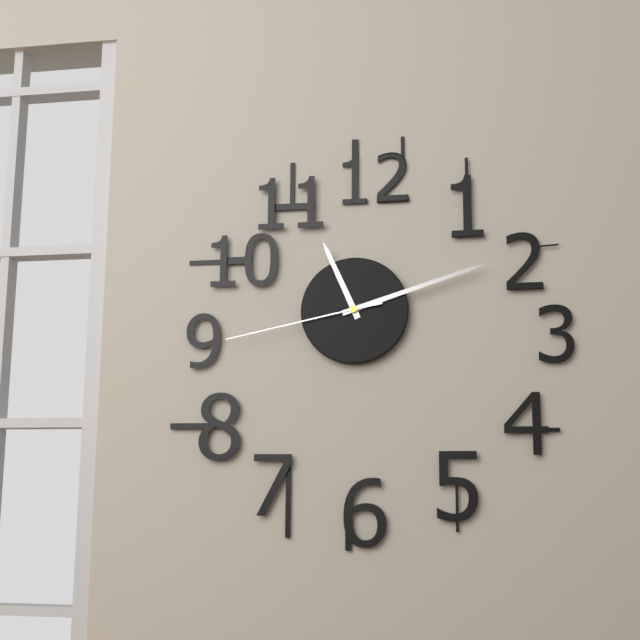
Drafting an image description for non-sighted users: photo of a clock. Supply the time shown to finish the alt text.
11:12:43
